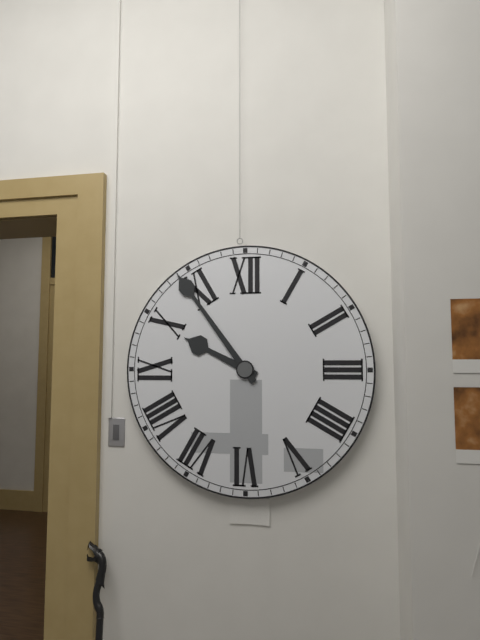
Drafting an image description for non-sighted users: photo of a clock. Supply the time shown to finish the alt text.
9:54
